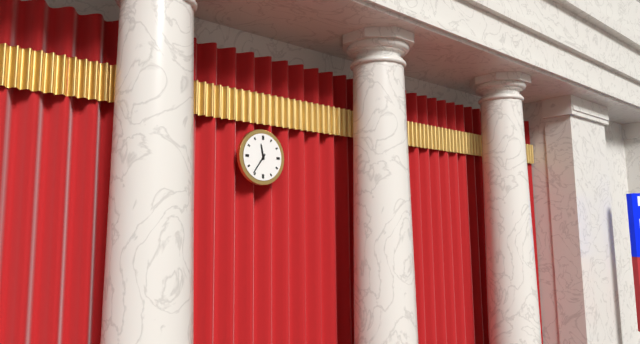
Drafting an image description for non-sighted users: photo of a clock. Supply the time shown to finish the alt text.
11:36
